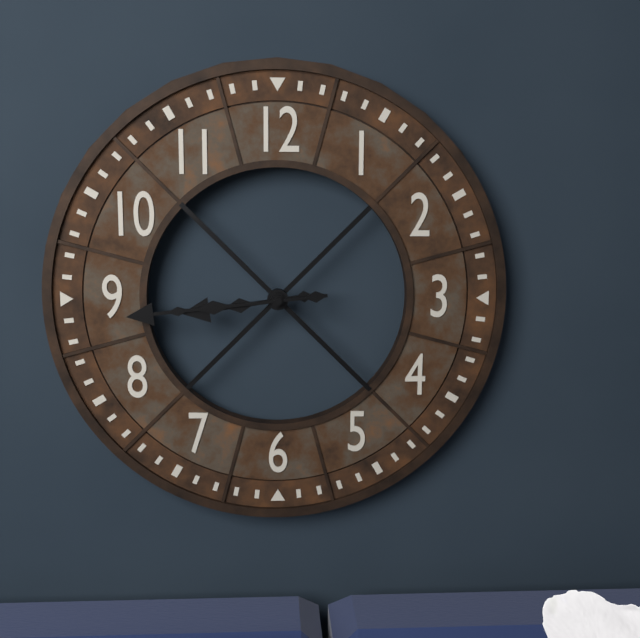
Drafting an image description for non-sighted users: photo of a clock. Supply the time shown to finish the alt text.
8:44
